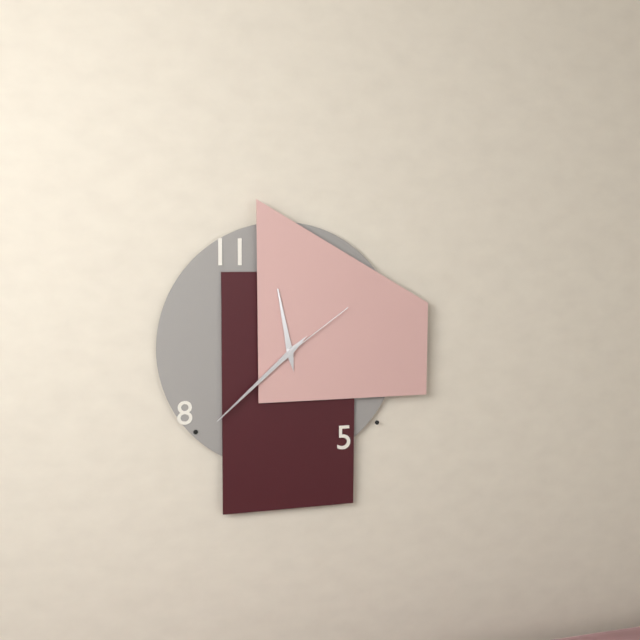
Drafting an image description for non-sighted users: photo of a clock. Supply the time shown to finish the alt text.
11:38:09
